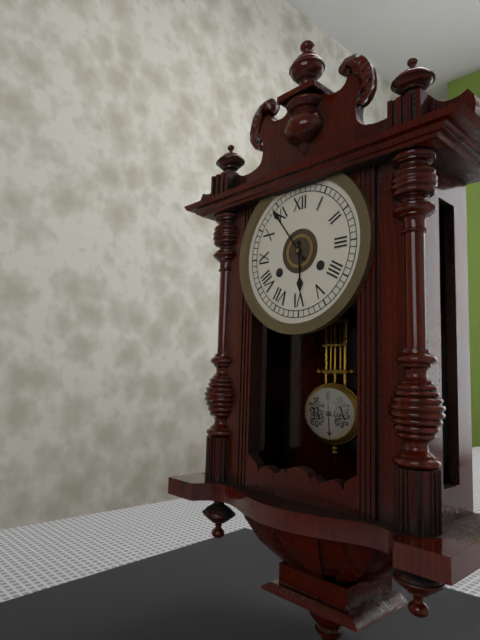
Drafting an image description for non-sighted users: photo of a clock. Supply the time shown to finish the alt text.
5:54
